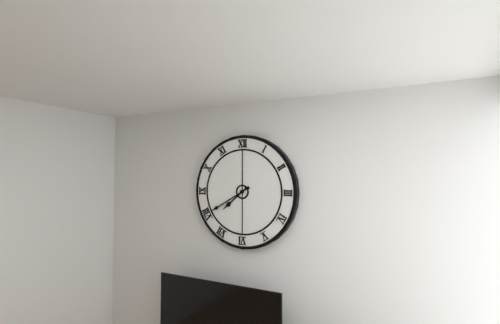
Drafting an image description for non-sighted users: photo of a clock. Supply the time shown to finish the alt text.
7:40
